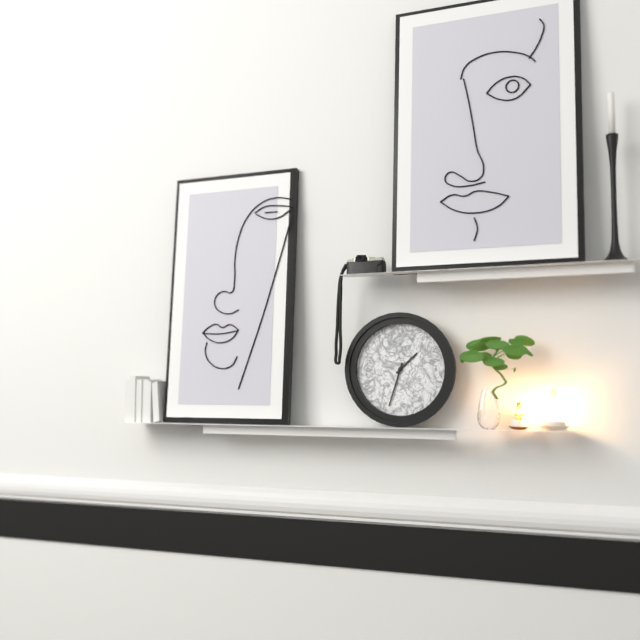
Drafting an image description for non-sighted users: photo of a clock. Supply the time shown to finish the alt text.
1:33
